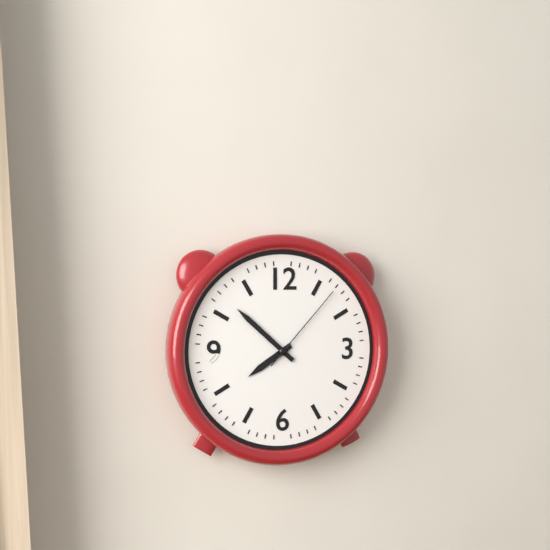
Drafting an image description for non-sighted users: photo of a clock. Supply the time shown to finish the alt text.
7:52:07
